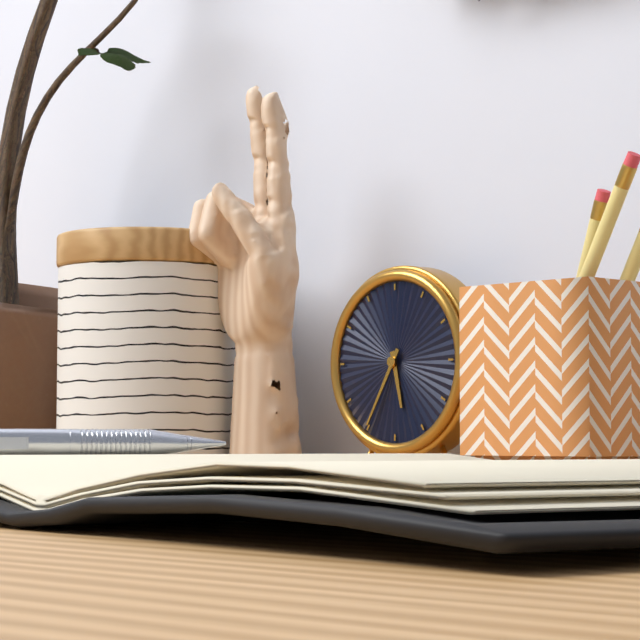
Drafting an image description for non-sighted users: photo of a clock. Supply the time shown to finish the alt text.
5:35
